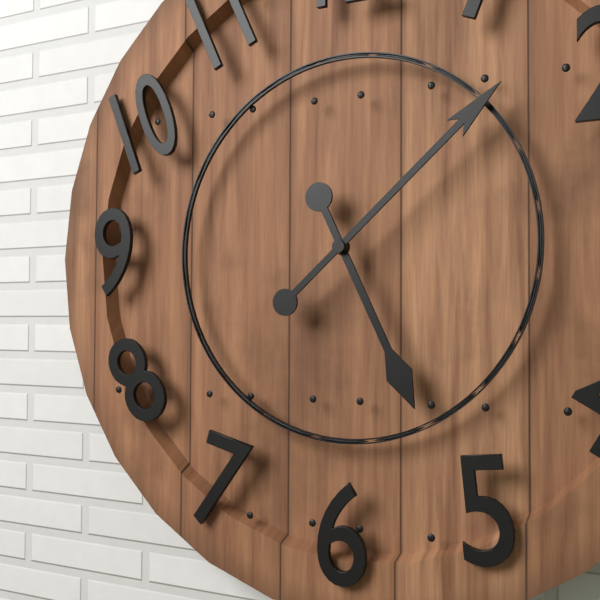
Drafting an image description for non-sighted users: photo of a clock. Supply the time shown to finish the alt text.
5:08
